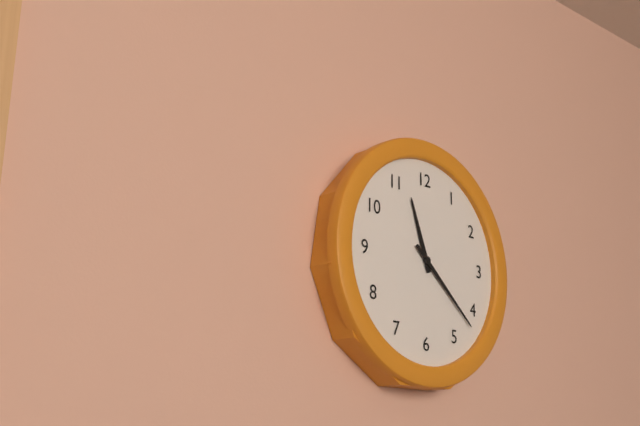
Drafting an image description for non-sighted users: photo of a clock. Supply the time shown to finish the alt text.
11:22
